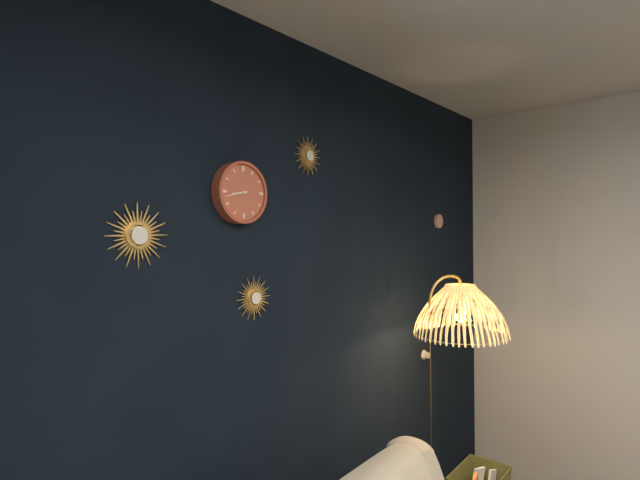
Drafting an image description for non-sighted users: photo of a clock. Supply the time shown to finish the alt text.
8:43
